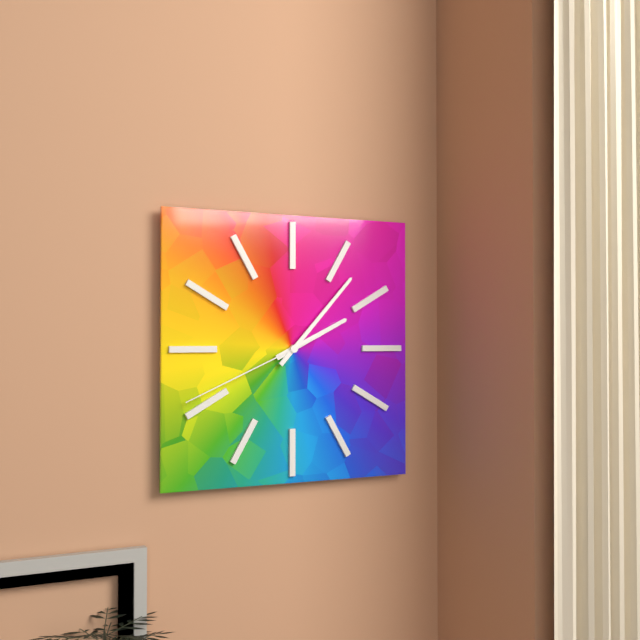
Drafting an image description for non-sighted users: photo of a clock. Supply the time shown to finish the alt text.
2:07:41
